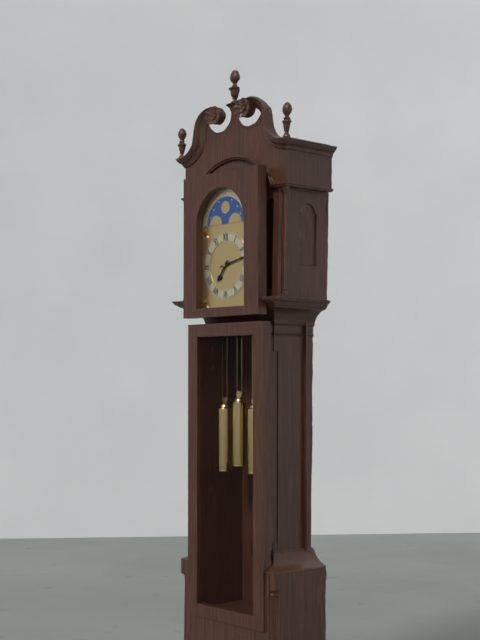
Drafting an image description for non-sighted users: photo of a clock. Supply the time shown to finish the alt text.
7:13
